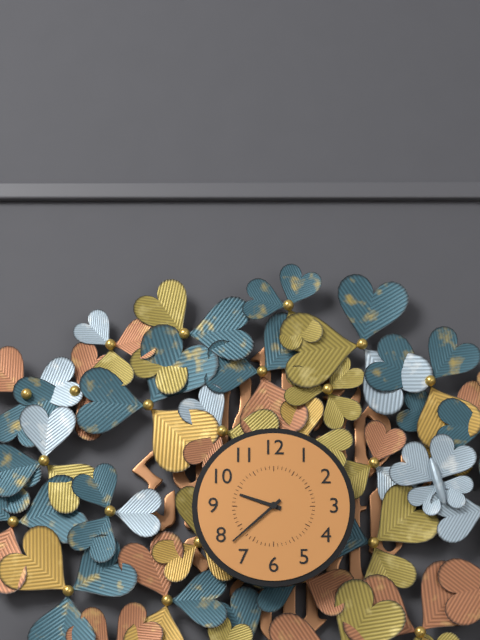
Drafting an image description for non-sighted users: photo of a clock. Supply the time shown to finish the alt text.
9:38
